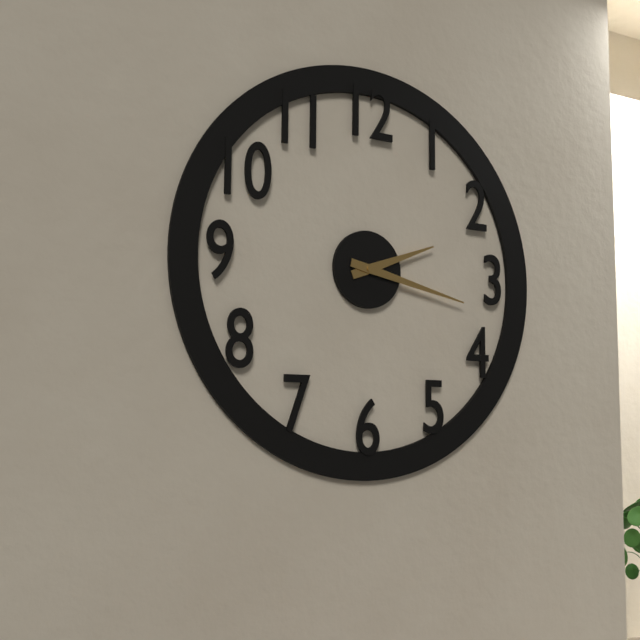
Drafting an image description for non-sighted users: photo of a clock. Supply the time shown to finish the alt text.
2:17
